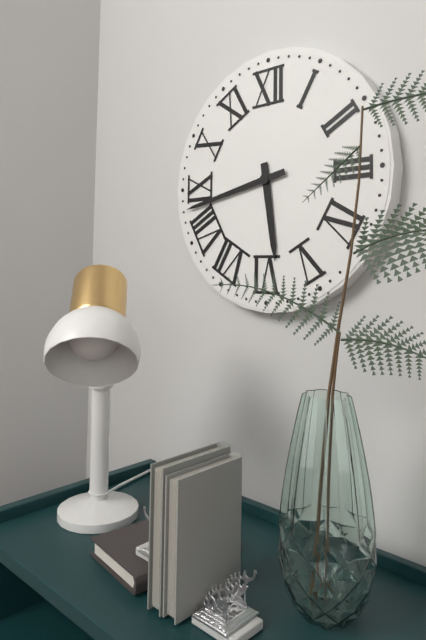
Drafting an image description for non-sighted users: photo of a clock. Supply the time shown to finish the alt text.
5:43
